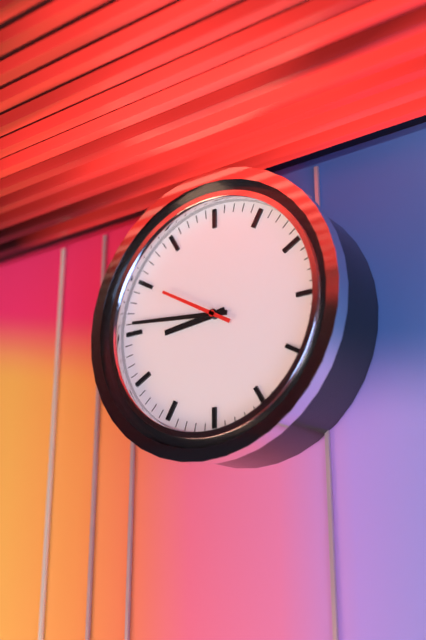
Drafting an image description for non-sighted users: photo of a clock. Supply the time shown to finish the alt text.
8:46:50
